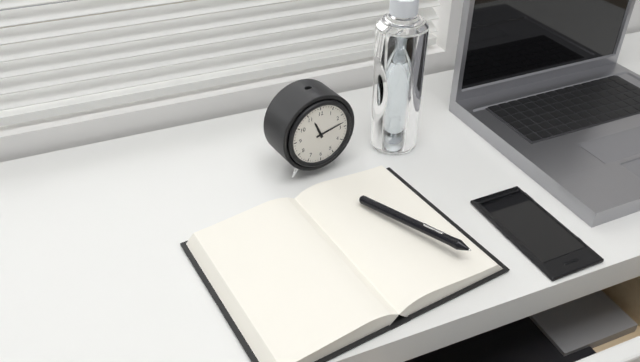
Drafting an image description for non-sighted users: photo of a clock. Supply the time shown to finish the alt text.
11:13
